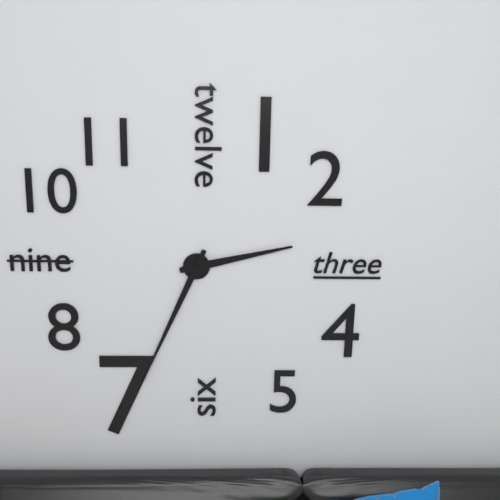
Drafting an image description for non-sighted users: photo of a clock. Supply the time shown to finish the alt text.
2:34
